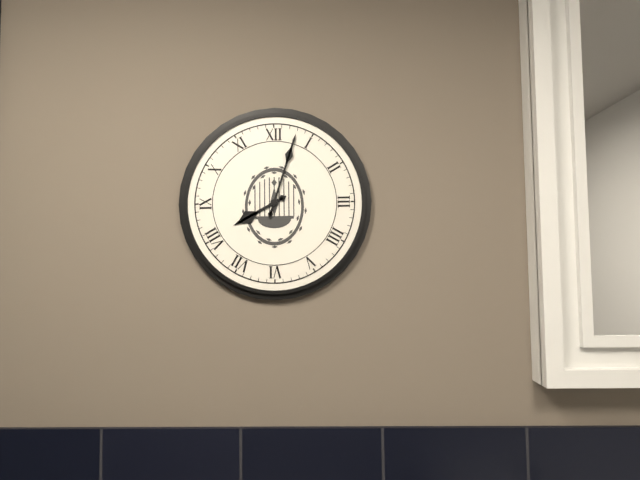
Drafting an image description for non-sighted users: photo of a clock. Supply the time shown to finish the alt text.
8:03
